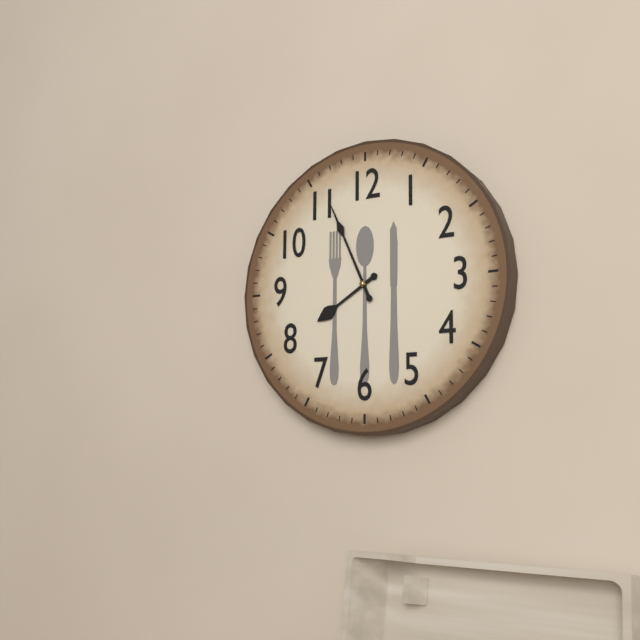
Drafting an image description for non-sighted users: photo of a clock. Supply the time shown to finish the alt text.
7:56
